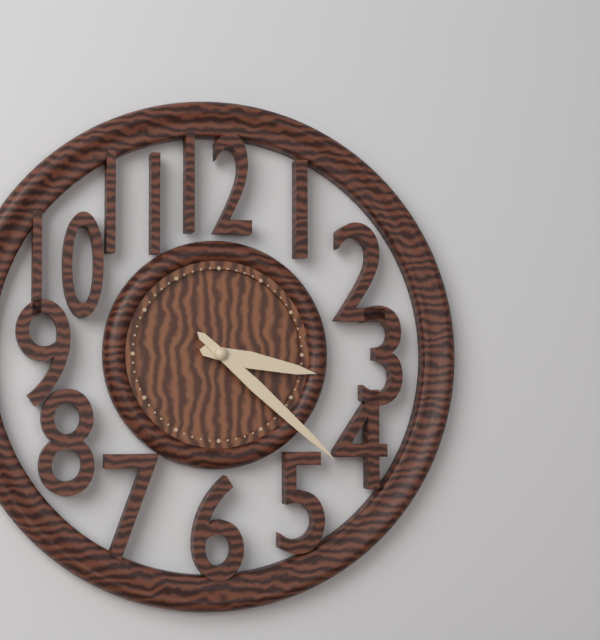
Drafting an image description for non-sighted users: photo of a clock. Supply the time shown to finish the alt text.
3:22
